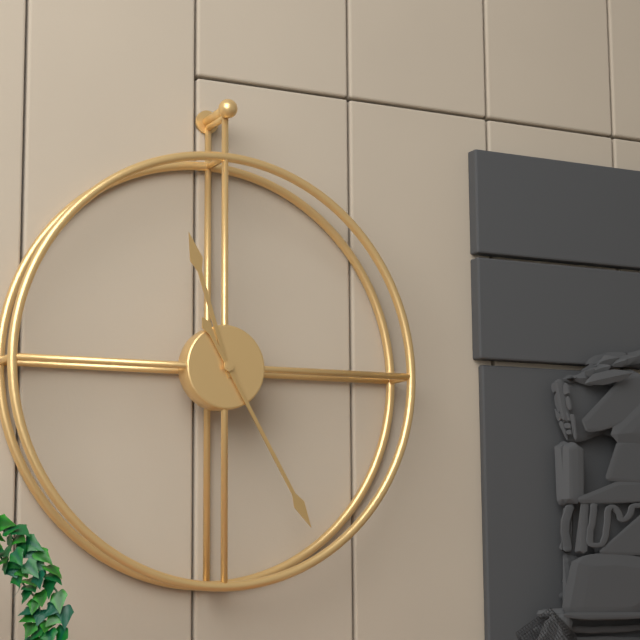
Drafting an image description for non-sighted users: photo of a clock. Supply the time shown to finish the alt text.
11:25
